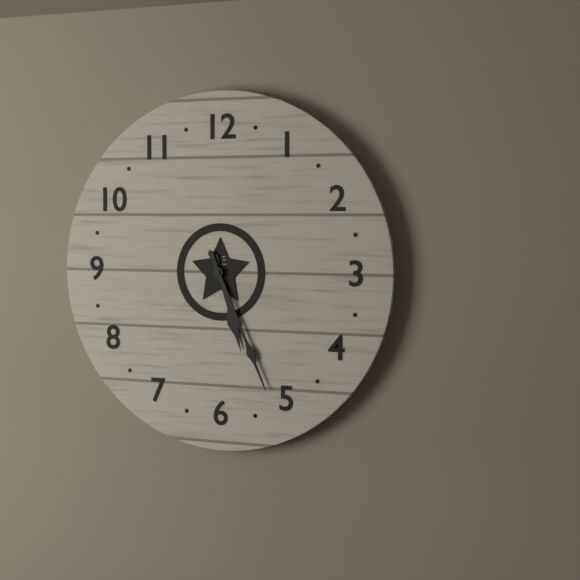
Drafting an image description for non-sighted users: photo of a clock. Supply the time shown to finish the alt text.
5:26
